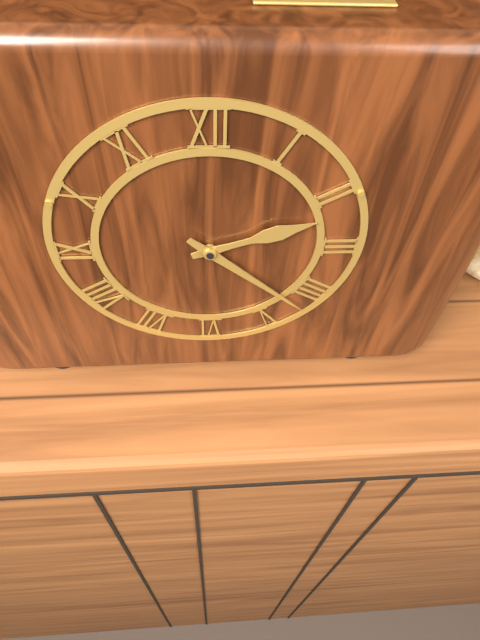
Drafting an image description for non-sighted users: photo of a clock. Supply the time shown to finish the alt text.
2:22
